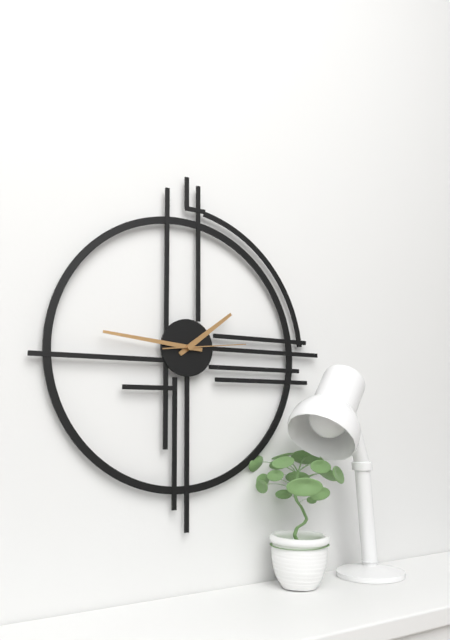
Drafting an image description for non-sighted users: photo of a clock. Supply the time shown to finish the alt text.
1:46:14
